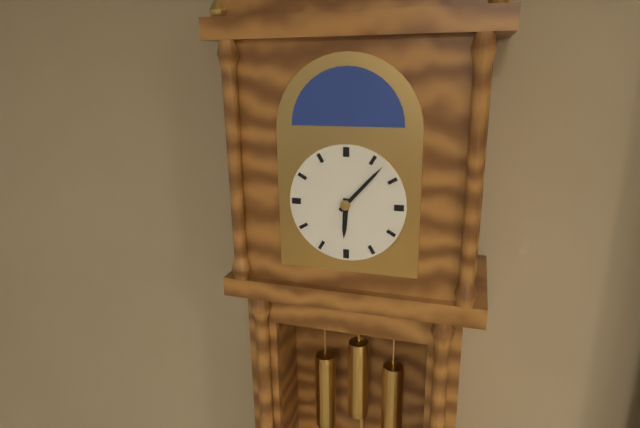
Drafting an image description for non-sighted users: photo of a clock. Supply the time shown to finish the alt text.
6:07
